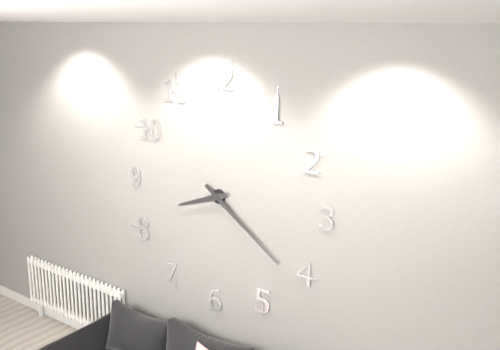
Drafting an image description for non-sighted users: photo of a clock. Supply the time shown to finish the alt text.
8:21
